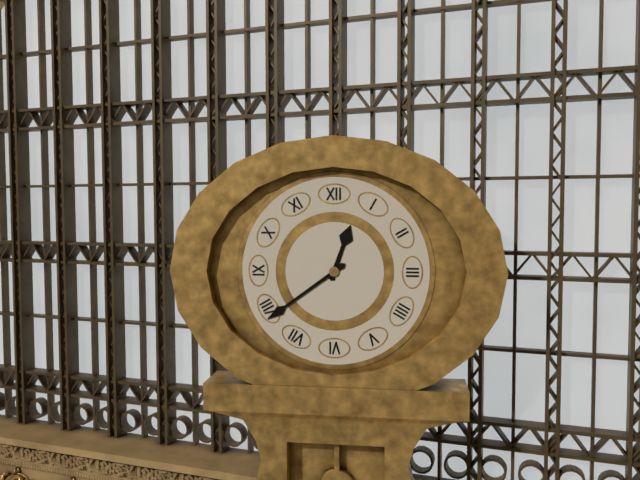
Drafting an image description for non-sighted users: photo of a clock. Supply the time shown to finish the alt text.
12:39
